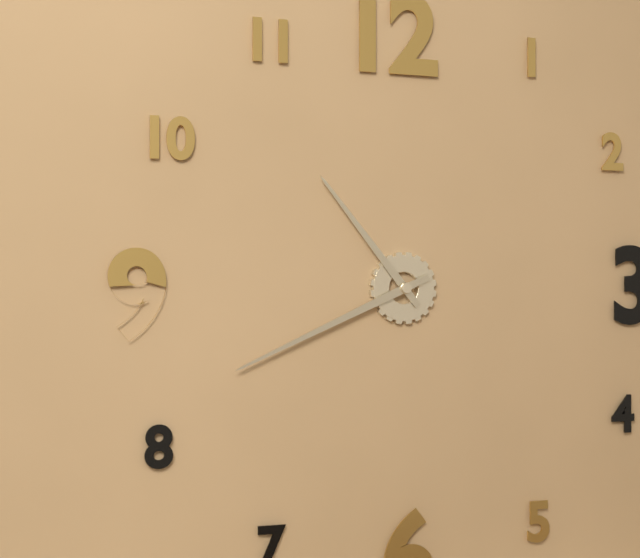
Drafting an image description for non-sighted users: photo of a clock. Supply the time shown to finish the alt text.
10:41
